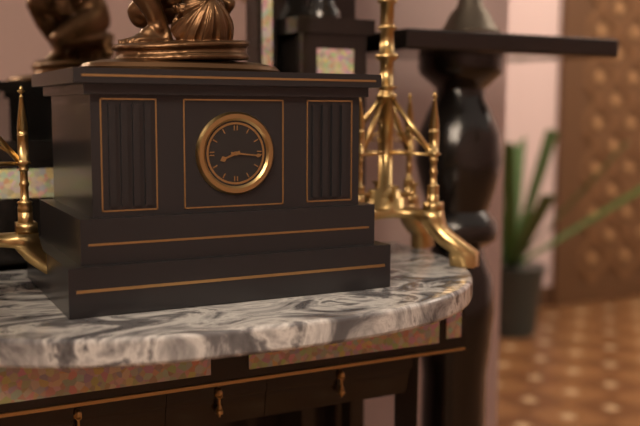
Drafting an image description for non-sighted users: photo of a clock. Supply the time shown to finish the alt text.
8:16
